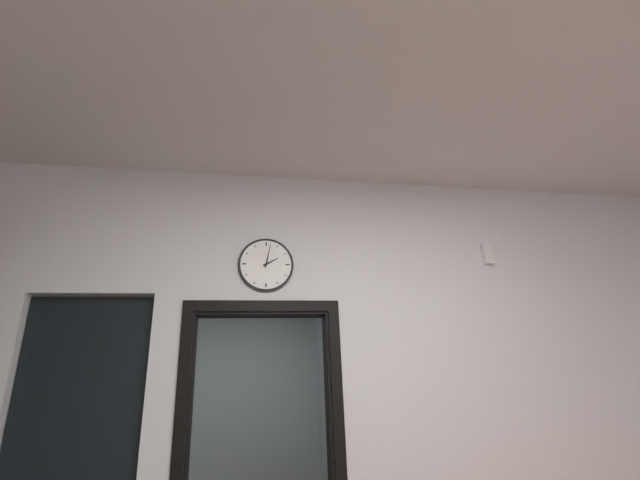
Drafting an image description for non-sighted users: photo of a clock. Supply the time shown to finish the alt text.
2:02
